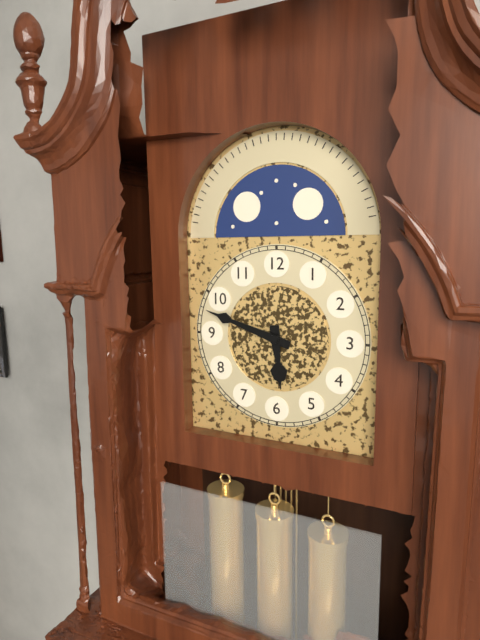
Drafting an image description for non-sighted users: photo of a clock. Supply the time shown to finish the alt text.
5:48
